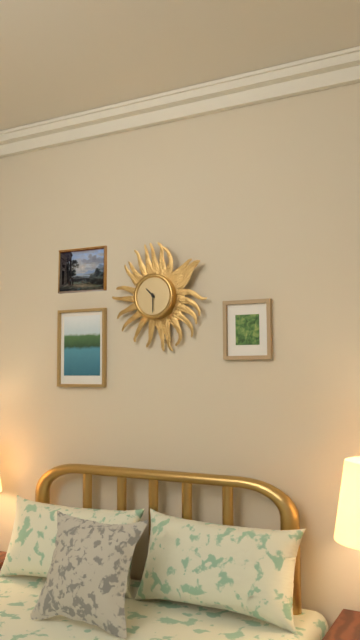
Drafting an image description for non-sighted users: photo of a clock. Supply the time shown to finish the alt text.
10:30
